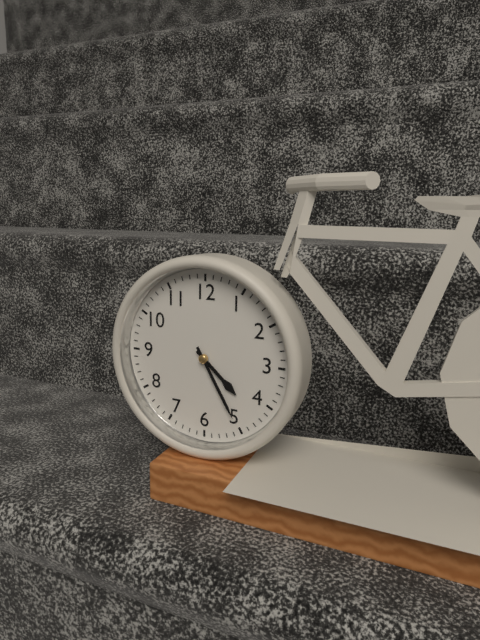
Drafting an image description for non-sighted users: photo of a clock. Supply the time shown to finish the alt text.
4:25
